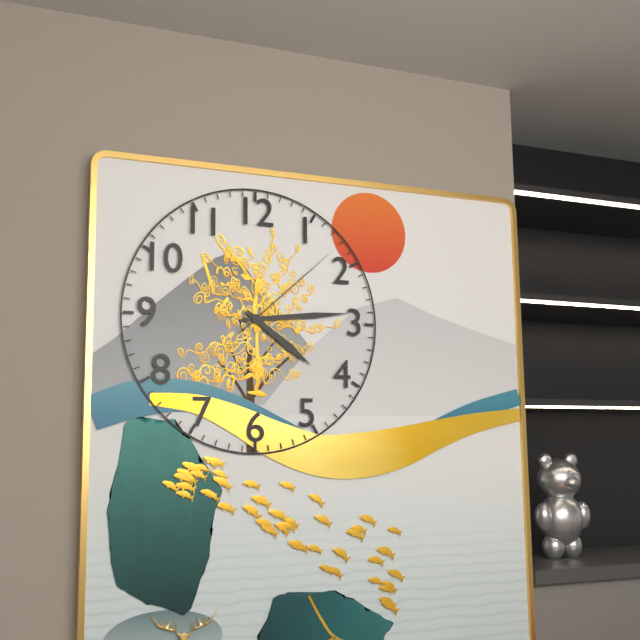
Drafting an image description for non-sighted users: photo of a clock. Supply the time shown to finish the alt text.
4:14:08
